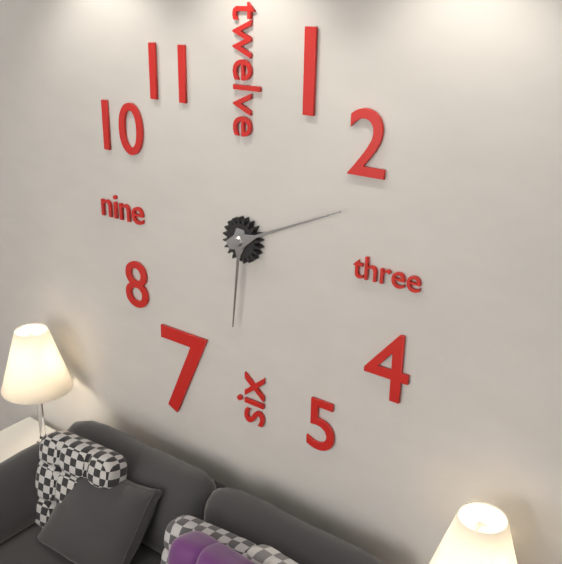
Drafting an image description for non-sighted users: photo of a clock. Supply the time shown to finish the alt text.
6:11
